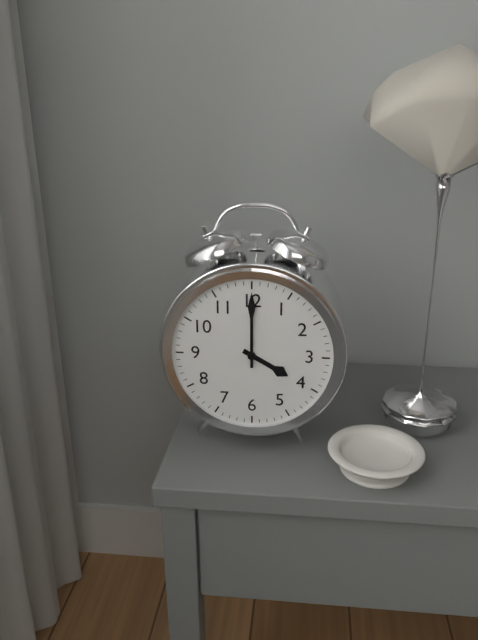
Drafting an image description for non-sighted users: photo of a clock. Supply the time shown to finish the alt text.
4:00
